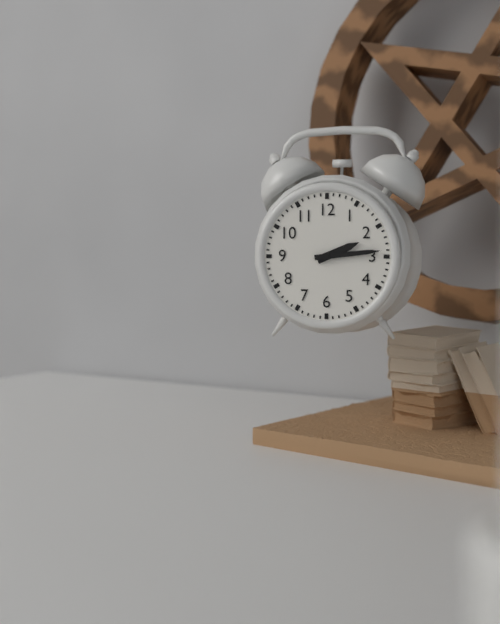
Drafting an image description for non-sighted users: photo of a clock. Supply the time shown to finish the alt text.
2:14
